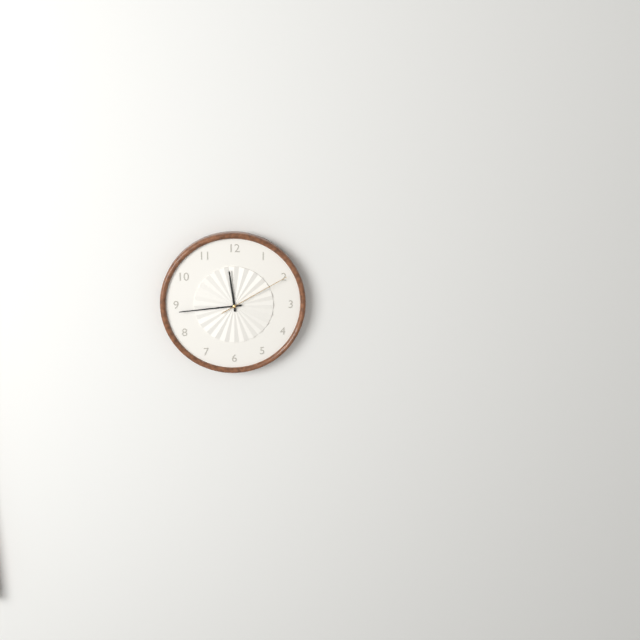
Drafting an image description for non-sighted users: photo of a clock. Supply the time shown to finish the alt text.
11:44:10
